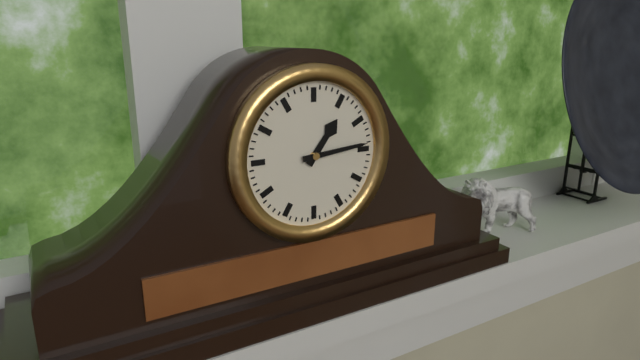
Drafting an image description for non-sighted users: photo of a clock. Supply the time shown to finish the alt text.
1:14
